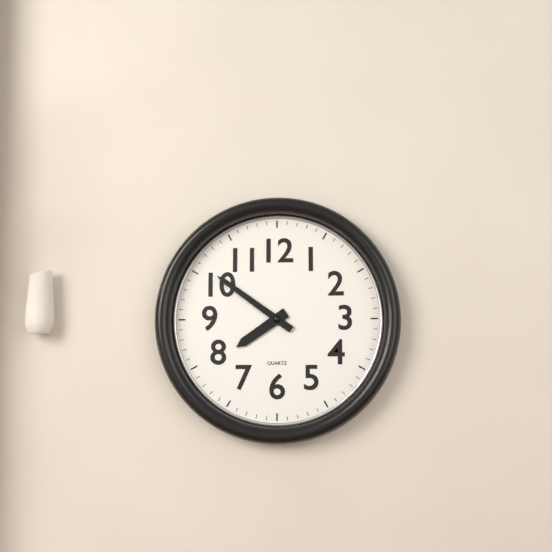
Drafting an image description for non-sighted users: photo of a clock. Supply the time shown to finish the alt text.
7:51
